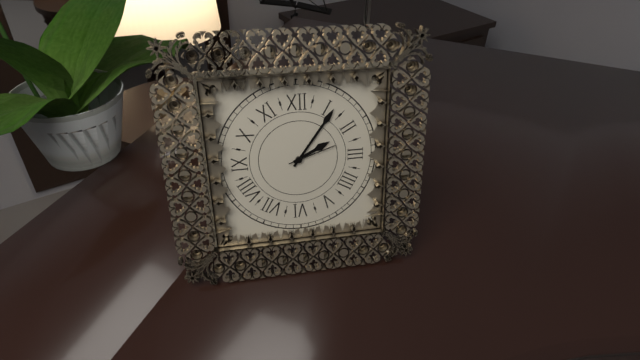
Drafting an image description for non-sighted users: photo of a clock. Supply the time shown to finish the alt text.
2:06:12
